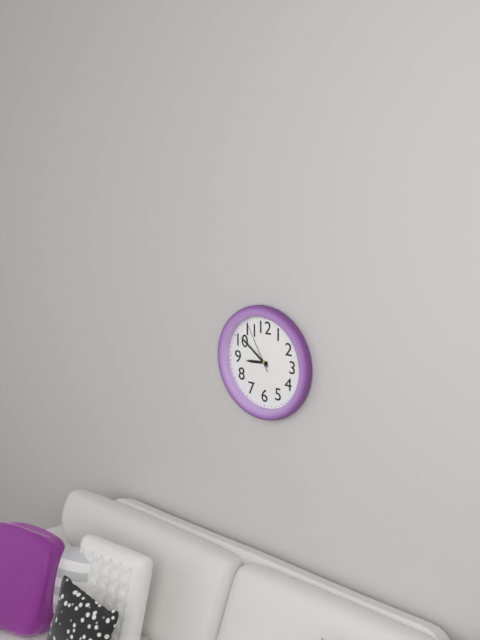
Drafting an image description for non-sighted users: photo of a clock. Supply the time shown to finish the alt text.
8:51:55
